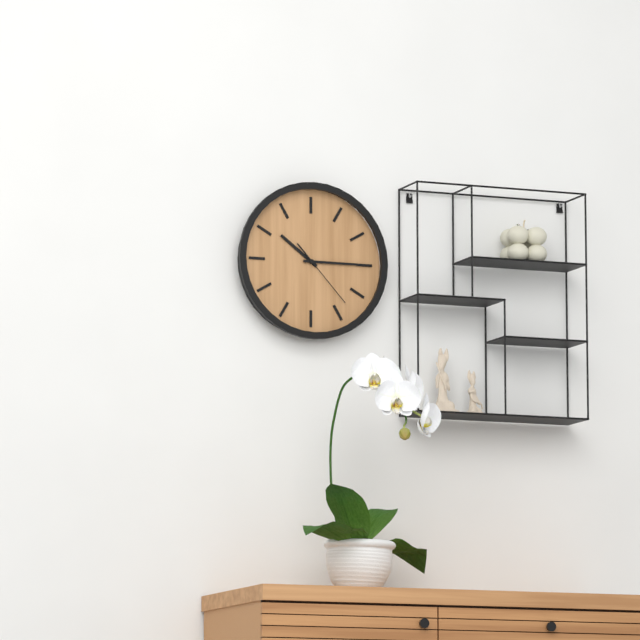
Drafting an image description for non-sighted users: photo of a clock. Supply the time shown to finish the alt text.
10:15:23
